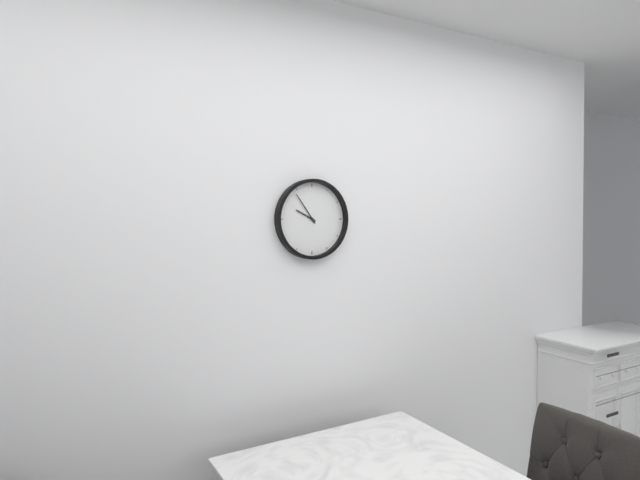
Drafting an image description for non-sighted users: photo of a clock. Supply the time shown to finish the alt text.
9:54
